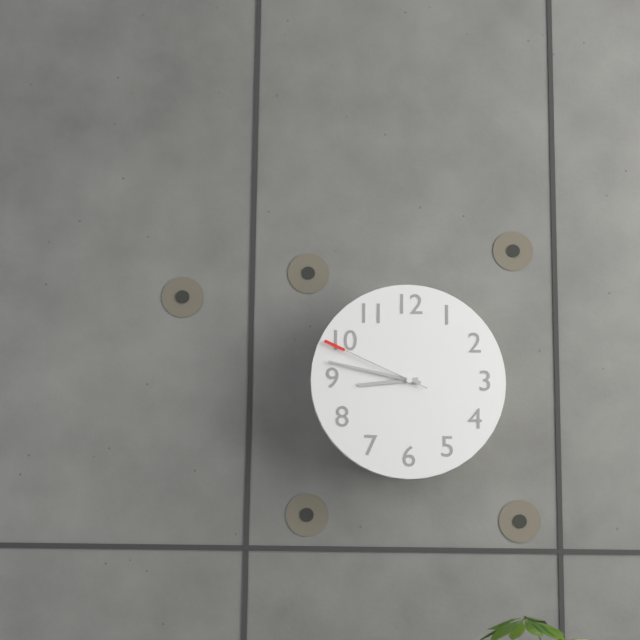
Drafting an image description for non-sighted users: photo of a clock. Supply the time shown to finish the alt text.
8:47:49
